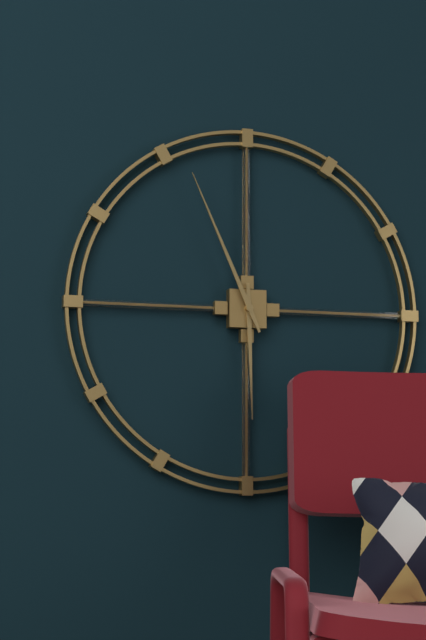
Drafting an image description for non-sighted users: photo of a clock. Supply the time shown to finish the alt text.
5:56
